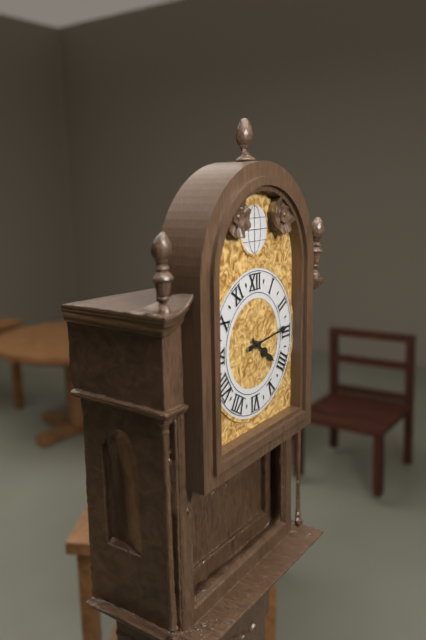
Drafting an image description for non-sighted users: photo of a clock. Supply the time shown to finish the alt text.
4:14
